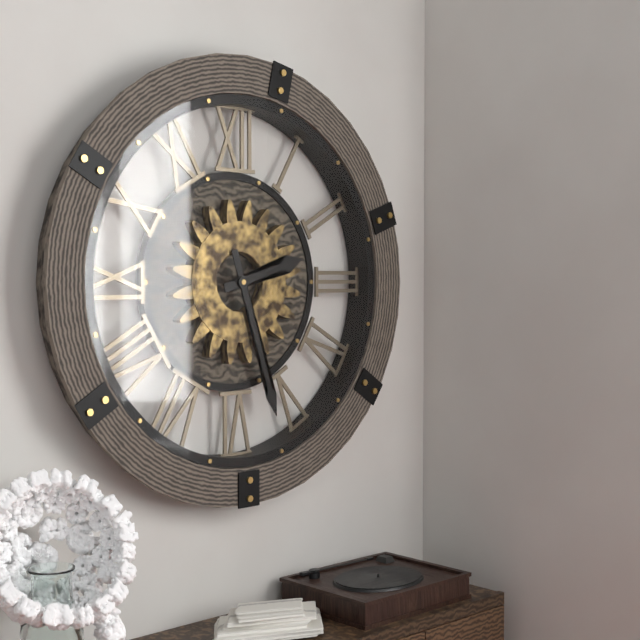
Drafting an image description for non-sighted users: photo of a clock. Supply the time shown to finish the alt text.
2:27
